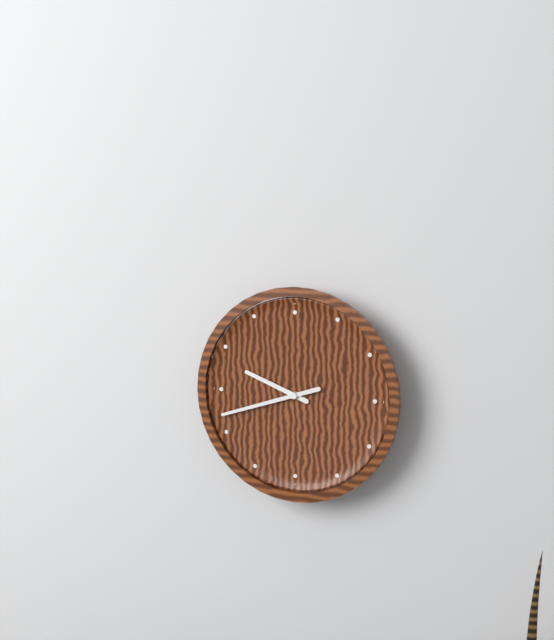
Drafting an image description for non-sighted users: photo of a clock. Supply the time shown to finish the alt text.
9:42
